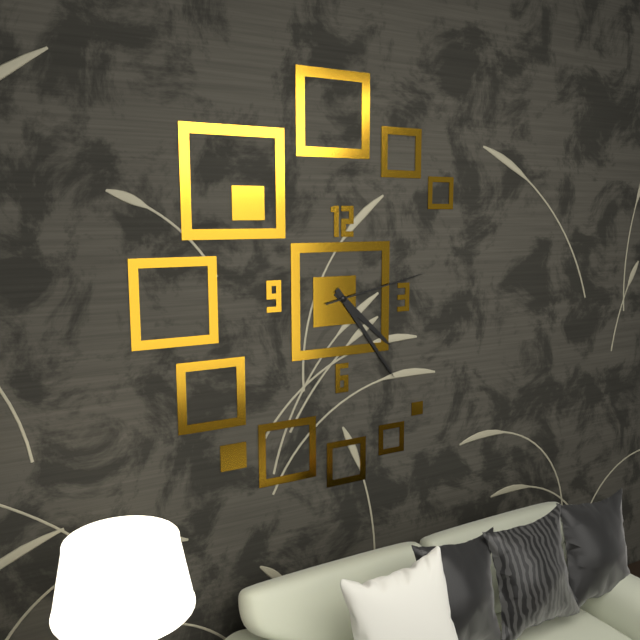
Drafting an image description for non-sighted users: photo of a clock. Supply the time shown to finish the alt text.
4:24:13
